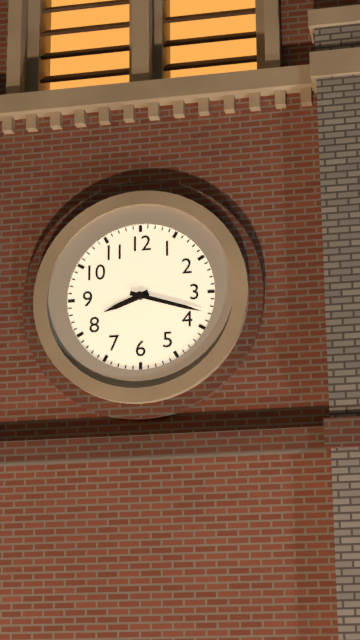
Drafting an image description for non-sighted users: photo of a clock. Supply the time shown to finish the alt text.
8:18
